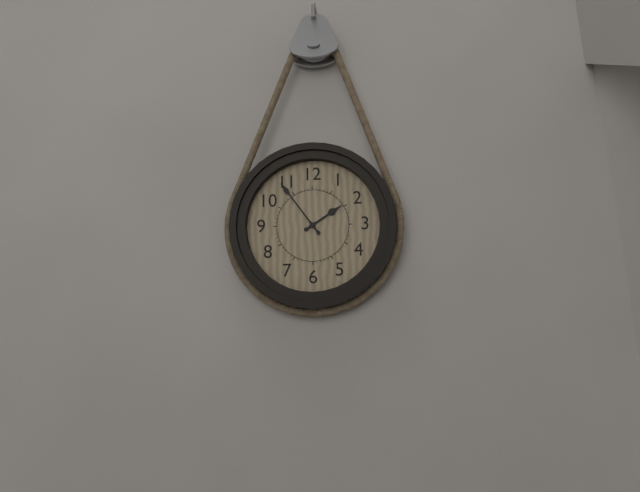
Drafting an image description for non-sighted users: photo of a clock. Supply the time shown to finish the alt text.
1:54
